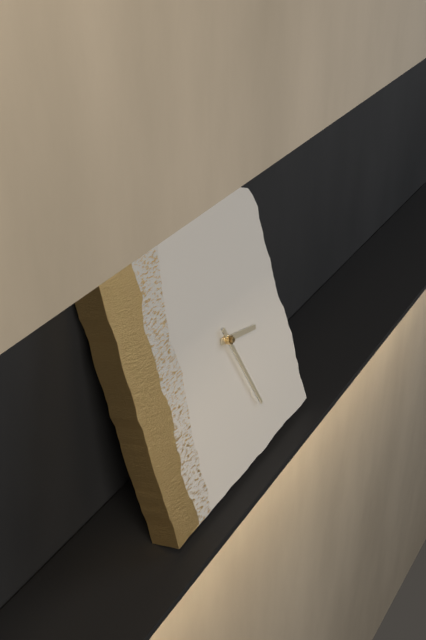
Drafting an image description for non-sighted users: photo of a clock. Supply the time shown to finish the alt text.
3:27
